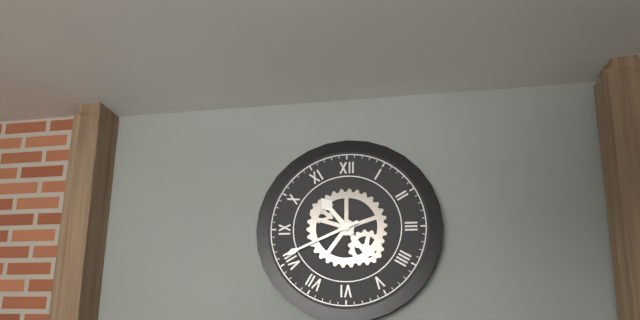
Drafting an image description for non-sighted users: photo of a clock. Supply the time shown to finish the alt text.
10:41
